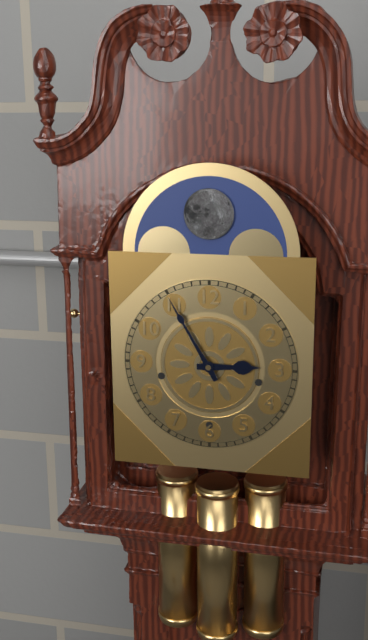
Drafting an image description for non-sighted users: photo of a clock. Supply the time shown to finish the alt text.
2:55
